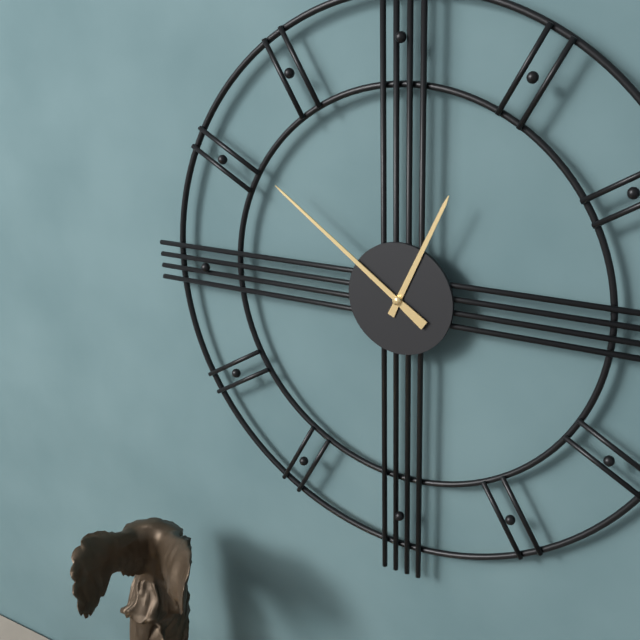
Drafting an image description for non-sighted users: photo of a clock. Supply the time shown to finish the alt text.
12:51
